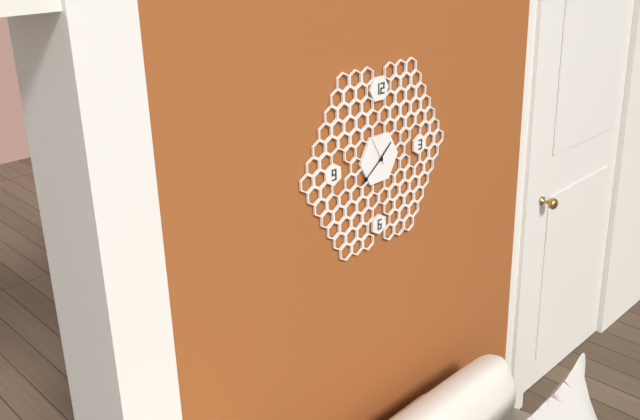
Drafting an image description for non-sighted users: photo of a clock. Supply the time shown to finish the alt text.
1:39
